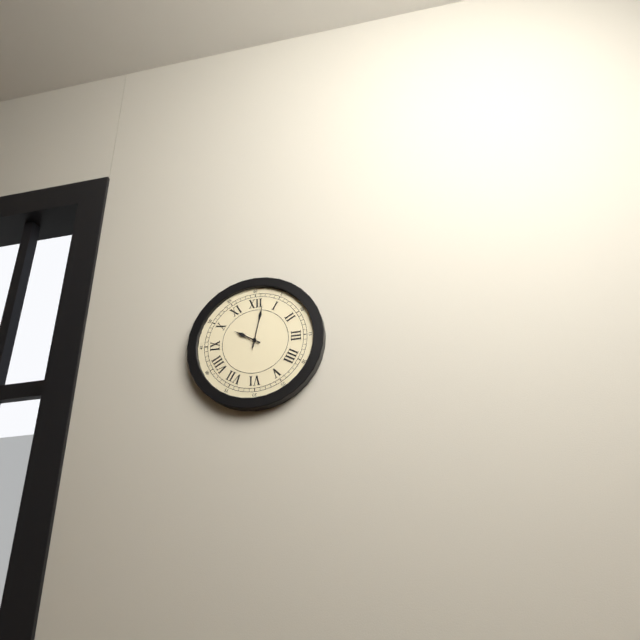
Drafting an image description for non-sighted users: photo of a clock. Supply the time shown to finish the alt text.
10:02
